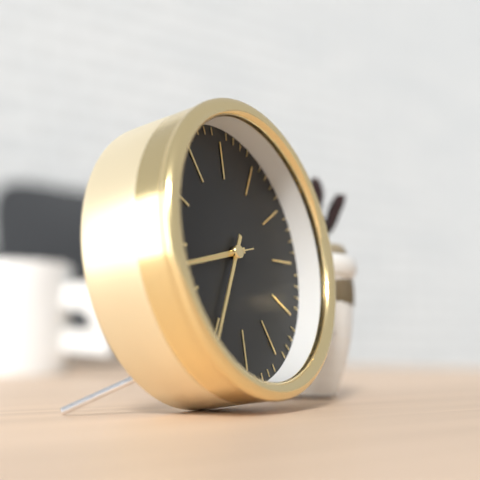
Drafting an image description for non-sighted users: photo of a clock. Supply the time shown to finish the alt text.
8:35:43
